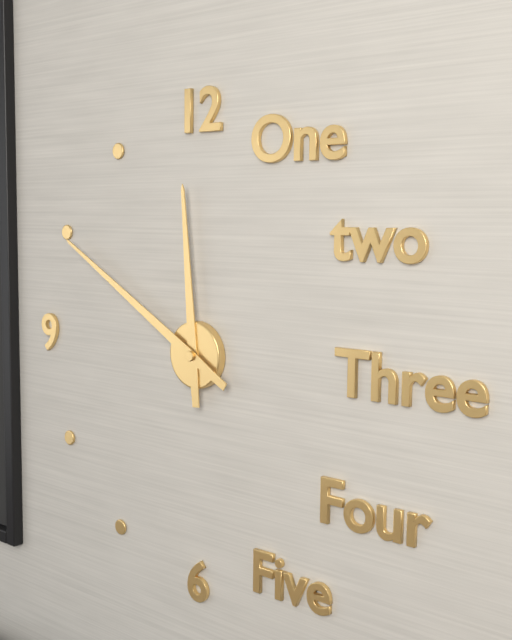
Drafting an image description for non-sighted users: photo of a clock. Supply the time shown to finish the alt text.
11:50
